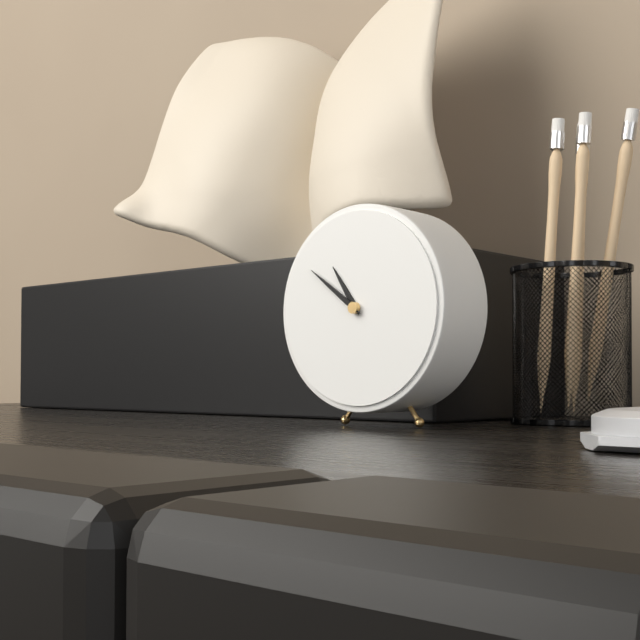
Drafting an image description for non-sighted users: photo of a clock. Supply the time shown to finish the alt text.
10:51
